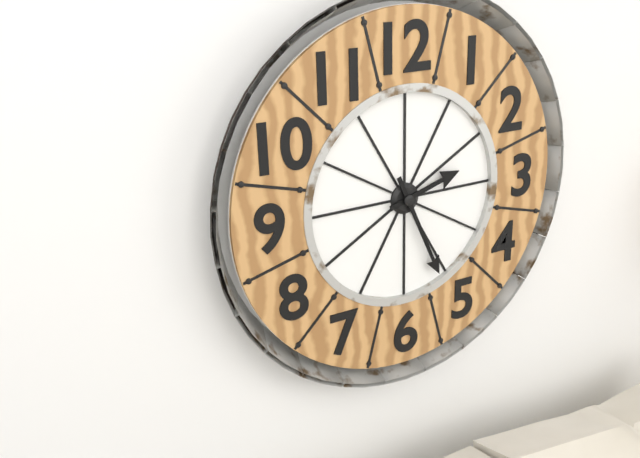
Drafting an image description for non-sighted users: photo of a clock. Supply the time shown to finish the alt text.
2:26
